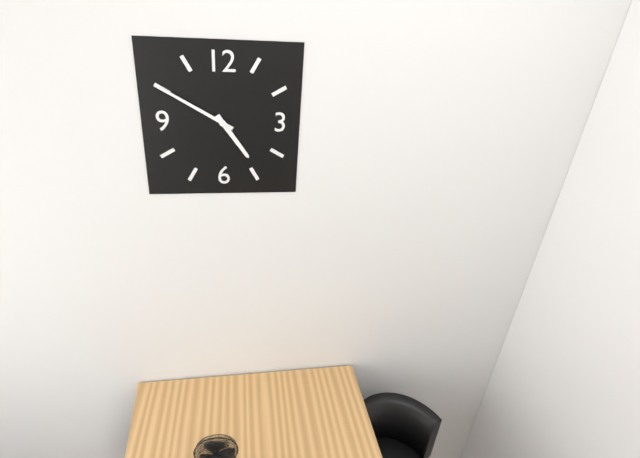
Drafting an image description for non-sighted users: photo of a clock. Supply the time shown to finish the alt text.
4:50
